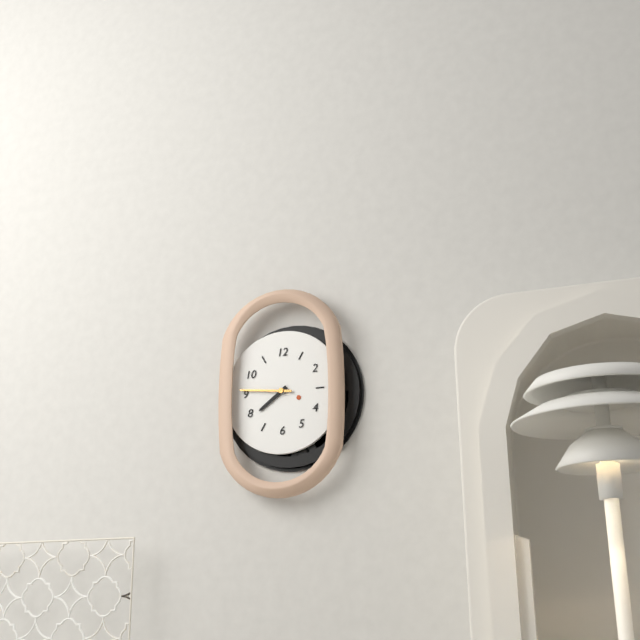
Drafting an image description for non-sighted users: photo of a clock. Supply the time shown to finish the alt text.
7:46
